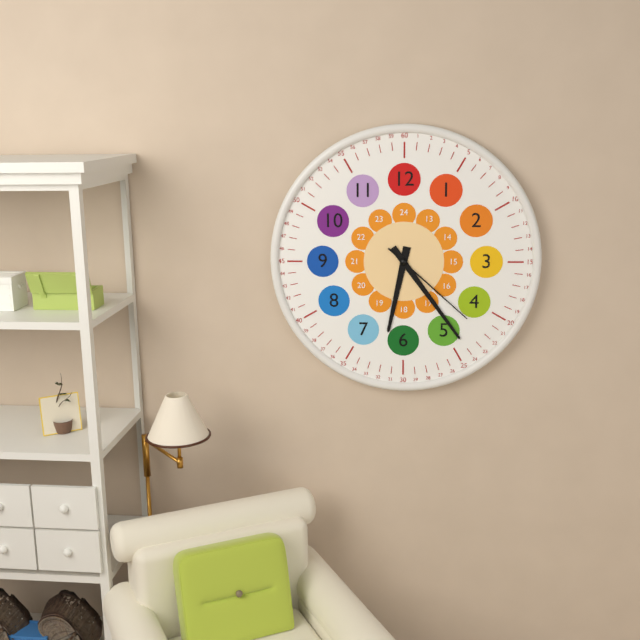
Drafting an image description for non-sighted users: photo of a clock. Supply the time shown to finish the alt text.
6:24:22
